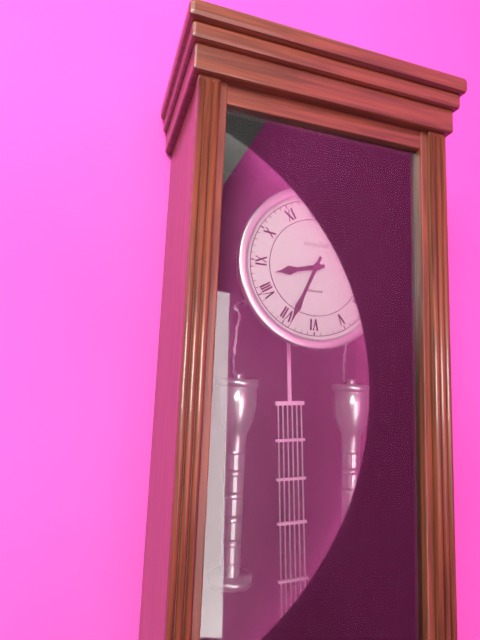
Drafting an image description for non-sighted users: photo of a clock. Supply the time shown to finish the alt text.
8:34
